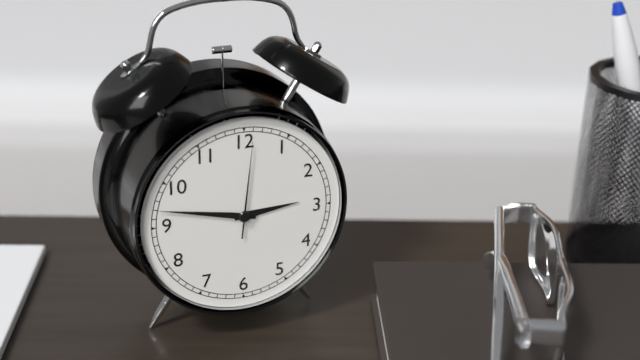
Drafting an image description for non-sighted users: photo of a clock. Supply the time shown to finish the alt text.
2:47:01
